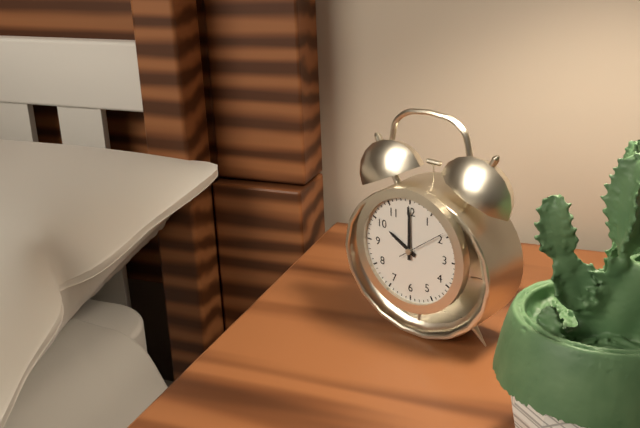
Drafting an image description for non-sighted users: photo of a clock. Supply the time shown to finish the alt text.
10:00
